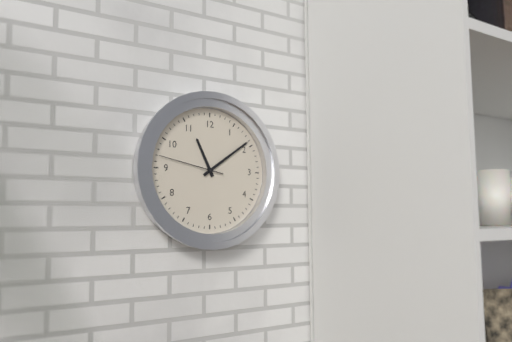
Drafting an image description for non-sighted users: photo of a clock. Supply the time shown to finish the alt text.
11:09:47
